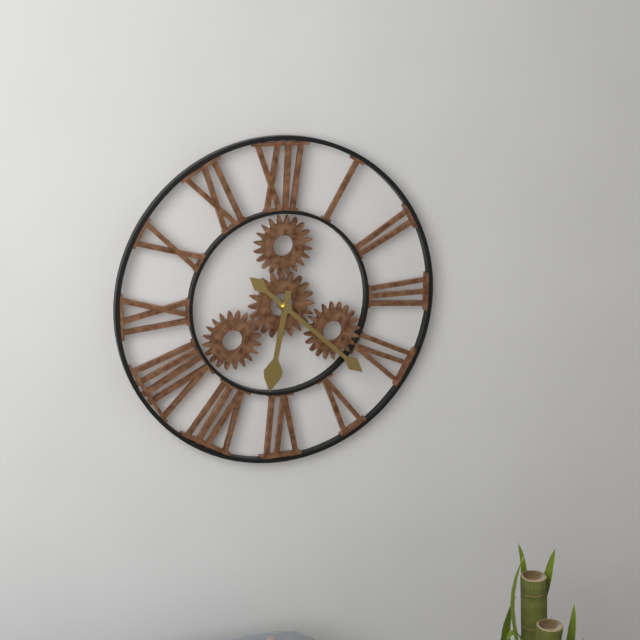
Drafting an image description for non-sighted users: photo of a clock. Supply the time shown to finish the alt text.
6:22
